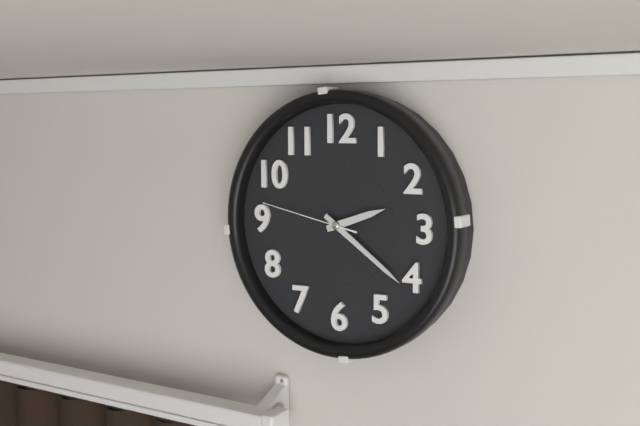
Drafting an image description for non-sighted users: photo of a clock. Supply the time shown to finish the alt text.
2:21:47
